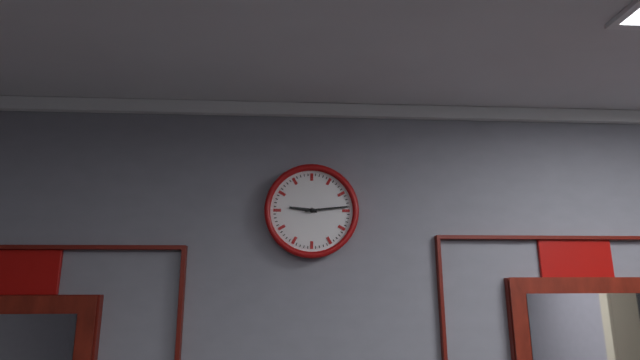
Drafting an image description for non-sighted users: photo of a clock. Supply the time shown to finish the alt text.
9:14
